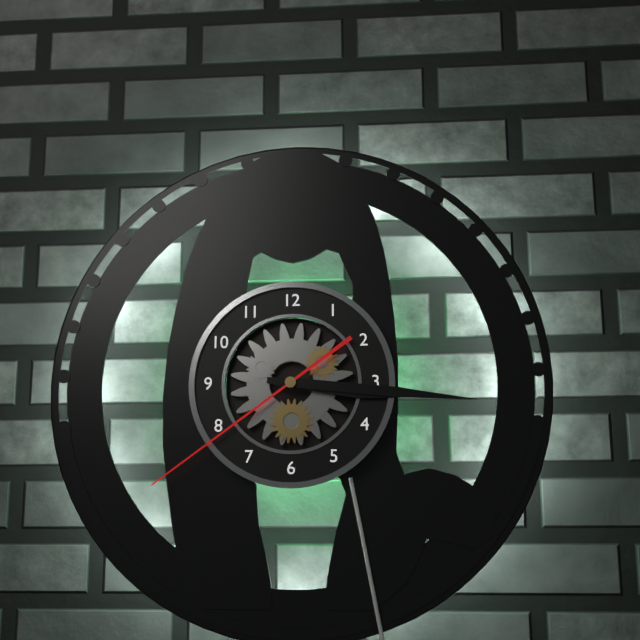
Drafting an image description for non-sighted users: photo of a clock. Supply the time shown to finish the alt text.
3:16:39
